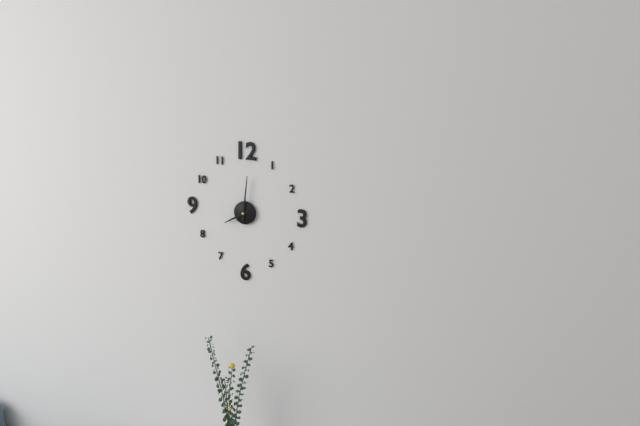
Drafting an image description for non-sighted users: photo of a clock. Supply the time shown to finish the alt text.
8:01
